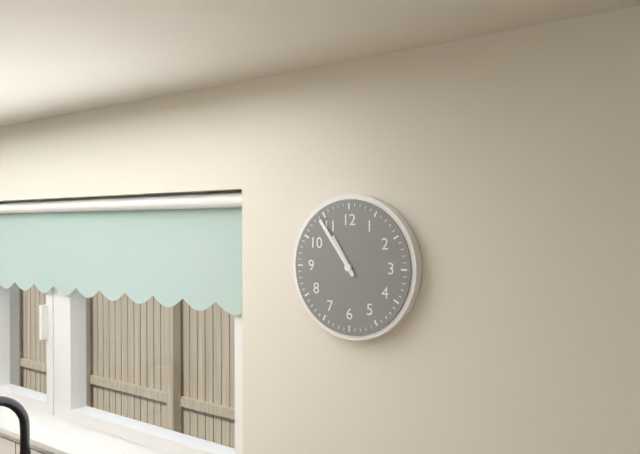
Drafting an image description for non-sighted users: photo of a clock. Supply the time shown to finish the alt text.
10:54
